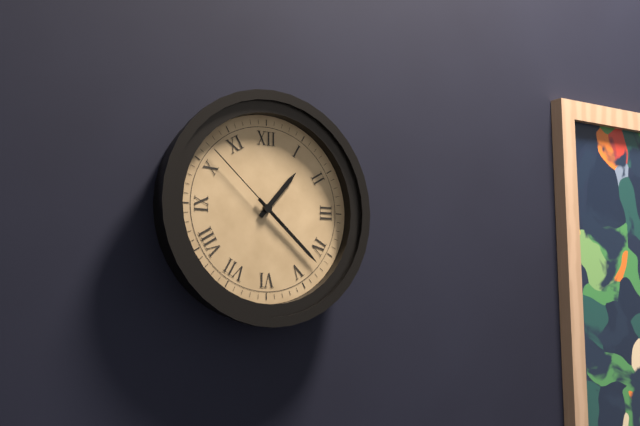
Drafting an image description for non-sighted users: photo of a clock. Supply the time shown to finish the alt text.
1:22:52
